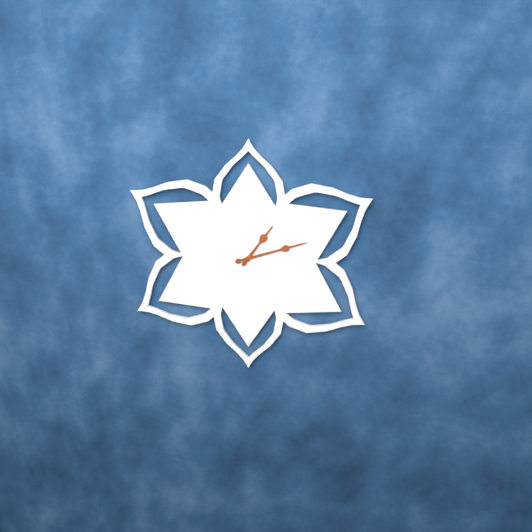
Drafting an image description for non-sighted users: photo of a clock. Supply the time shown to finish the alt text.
1:12
